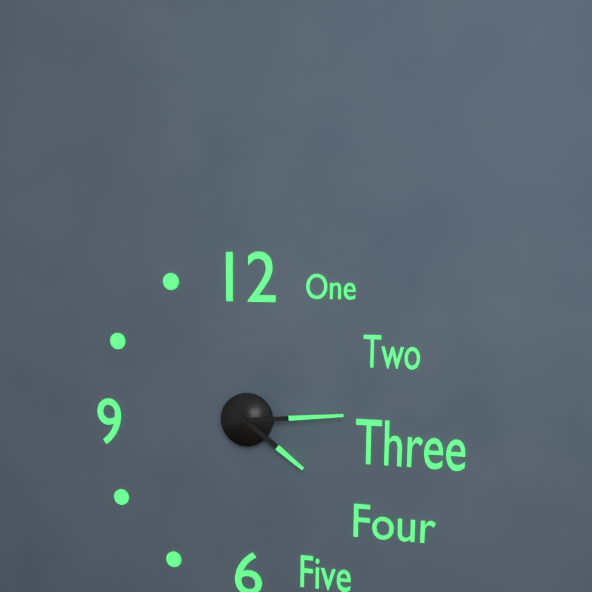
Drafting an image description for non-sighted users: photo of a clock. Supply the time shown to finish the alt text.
4:14
